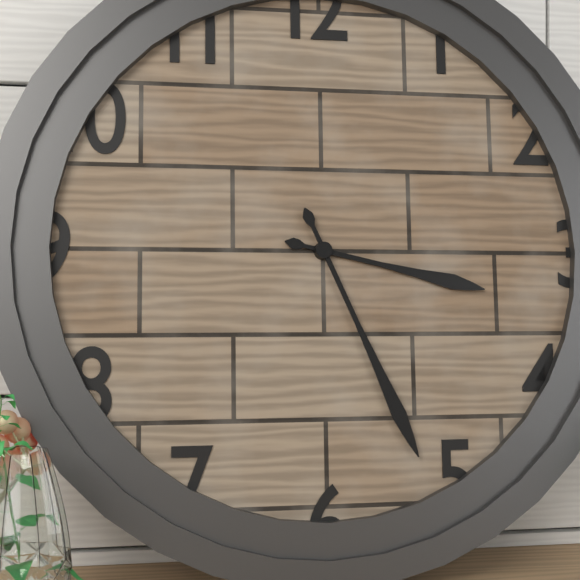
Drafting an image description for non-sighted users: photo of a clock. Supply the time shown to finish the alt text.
3:26
